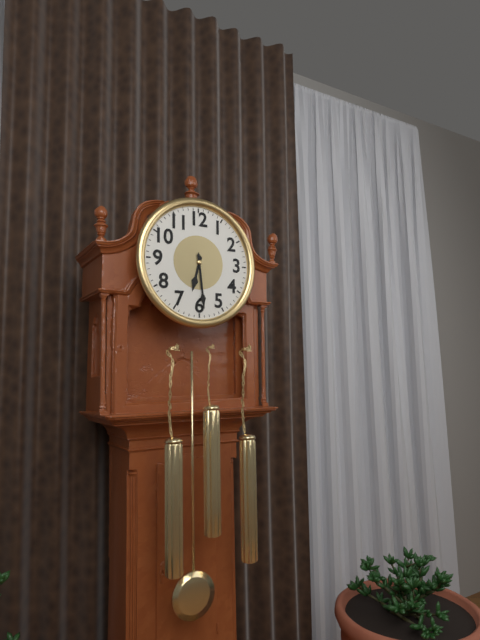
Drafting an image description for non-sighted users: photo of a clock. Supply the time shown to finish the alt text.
6:29
